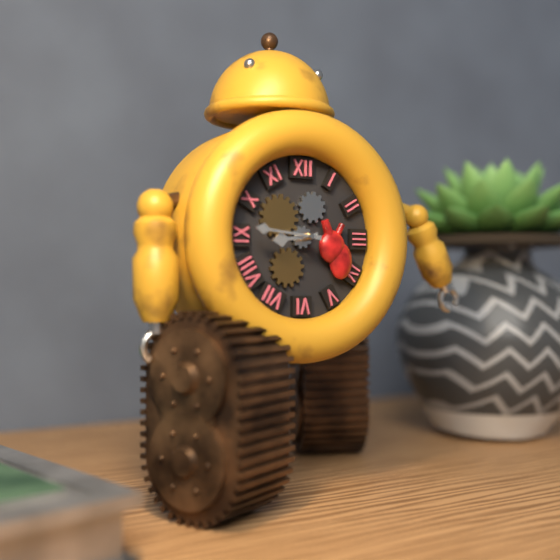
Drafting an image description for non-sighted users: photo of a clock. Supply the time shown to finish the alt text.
8:46
